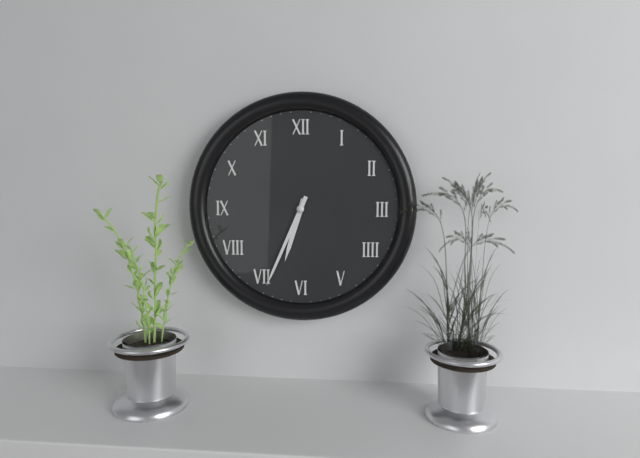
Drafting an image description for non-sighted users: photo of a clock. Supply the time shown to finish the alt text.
6:34
